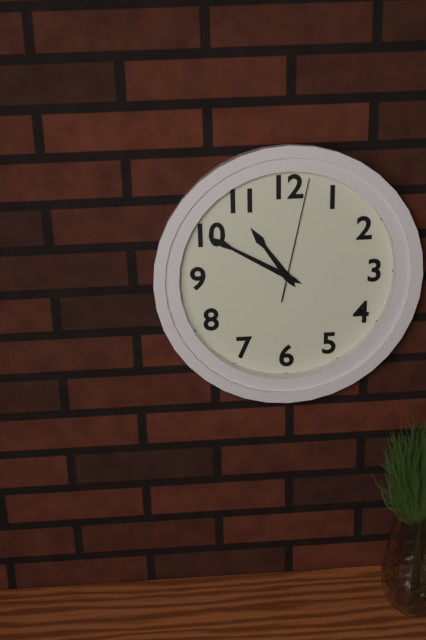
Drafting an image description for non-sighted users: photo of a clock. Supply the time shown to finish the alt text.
10:50:02
